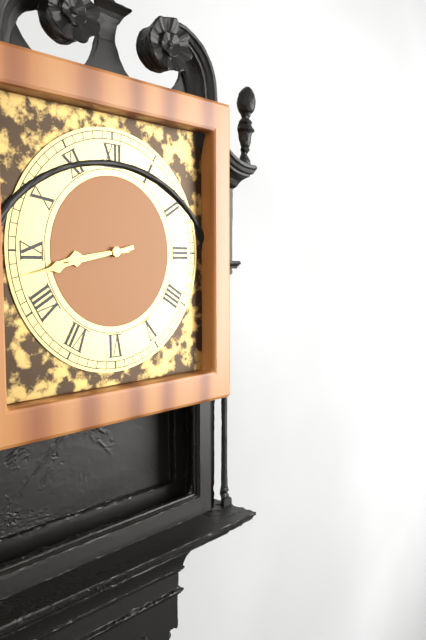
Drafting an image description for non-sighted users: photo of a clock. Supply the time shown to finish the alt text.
8:43
